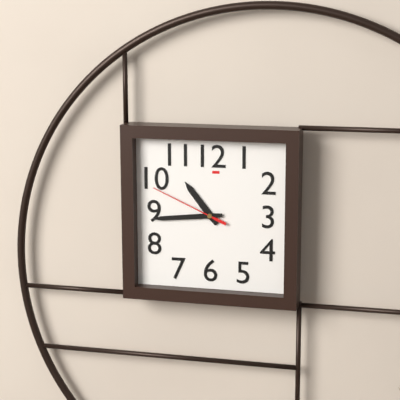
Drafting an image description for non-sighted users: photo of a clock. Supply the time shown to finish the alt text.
10:44:49
